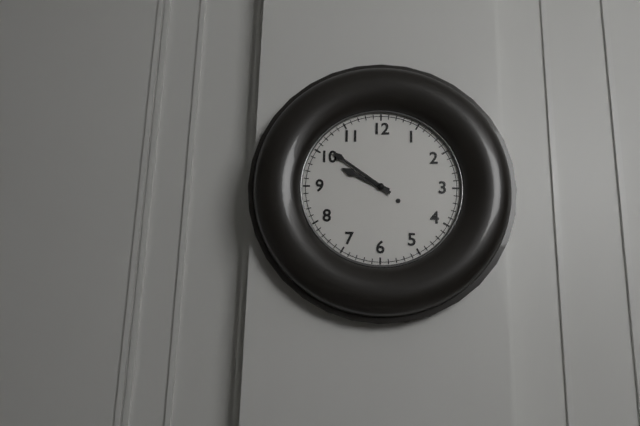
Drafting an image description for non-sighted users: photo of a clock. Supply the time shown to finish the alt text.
9:51
